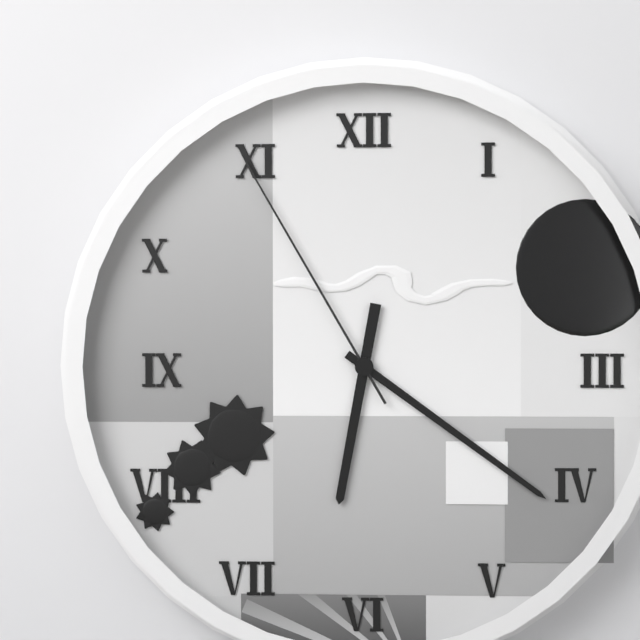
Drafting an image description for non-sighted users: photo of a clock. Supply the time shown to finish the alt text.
6:21:55
